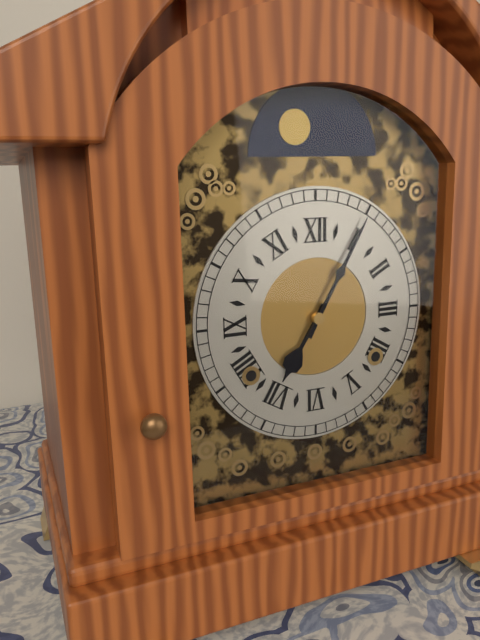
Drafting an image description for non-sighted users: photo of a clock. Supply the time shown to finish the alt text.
7:05
